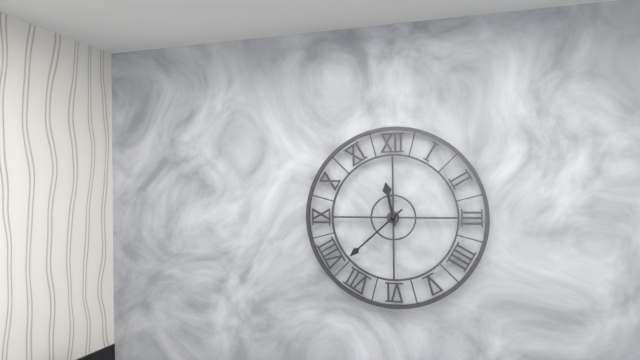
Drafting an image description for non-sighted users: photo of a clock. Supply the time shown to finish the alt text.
11:38
